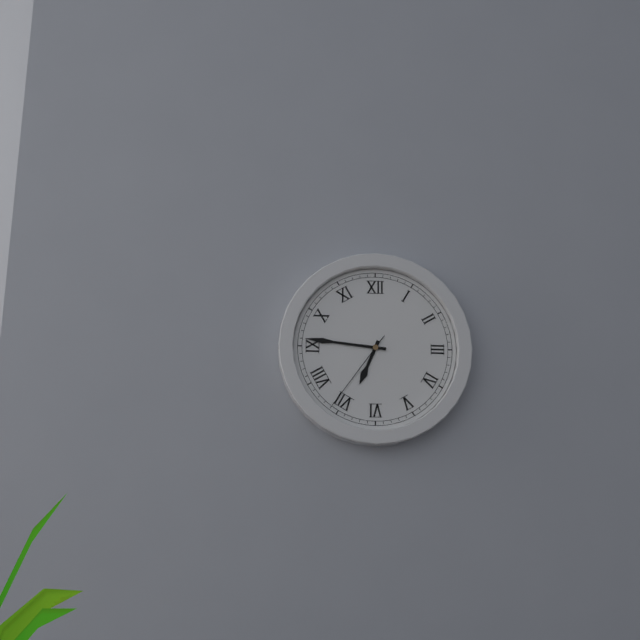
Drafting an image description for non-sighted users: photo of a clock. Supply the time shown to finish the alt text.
6:46:36
